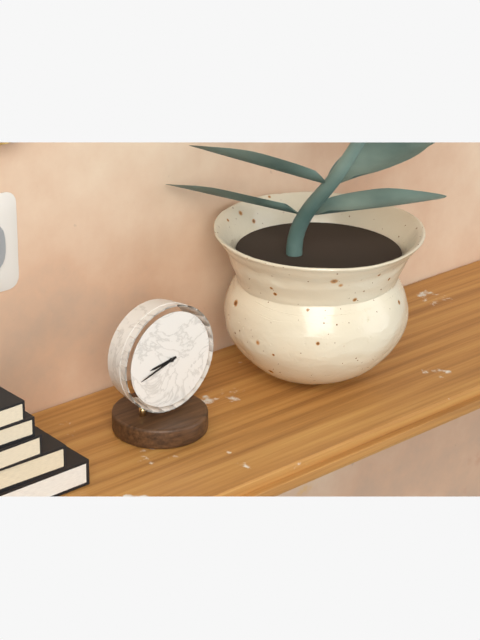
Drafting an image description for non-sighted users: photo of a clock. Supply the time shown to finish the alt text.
8:42
